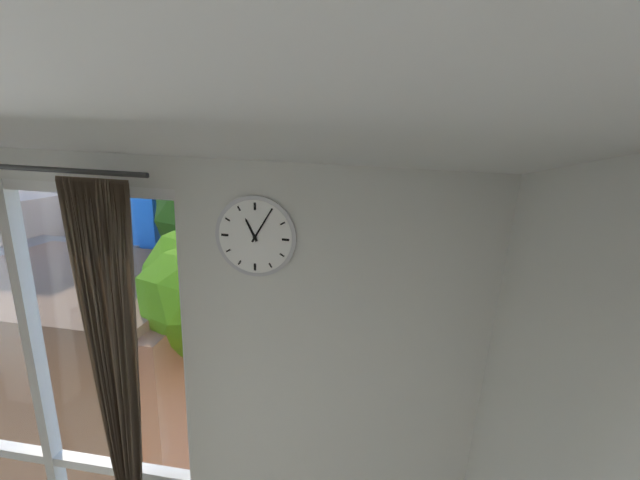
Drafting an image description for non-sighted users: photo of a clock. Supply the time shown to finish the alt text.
11:05
